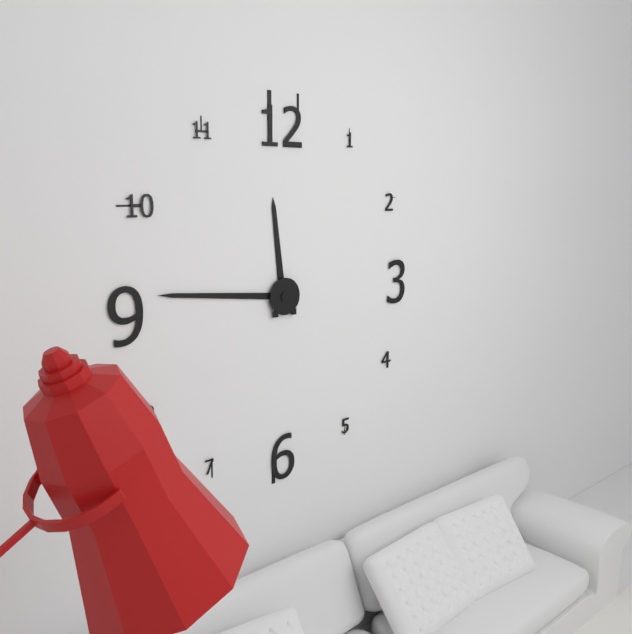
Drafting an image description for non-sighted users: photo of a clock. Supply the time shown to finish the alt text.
11:46
